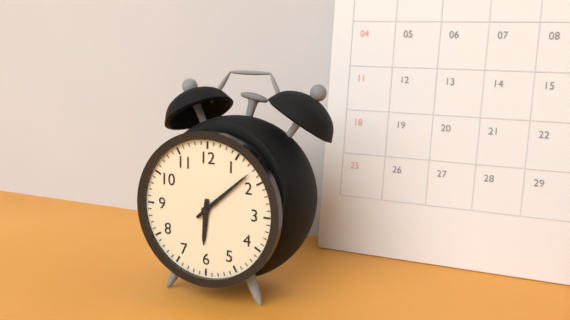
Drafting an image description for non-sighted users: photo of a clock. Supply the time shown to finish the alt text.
6:08
